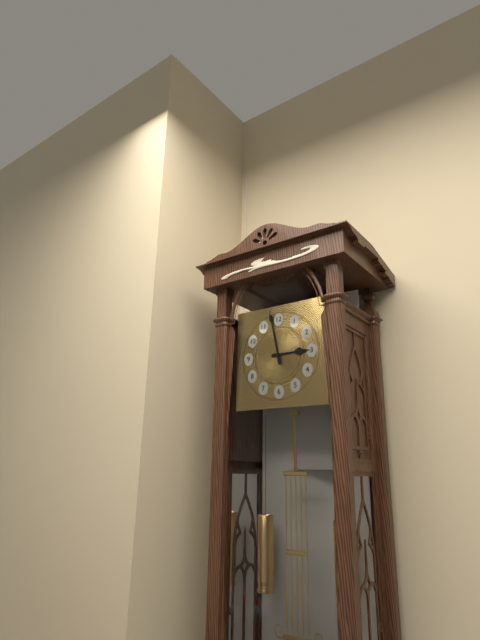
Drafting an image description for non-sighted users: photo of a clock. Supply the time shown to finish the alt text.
2:58
